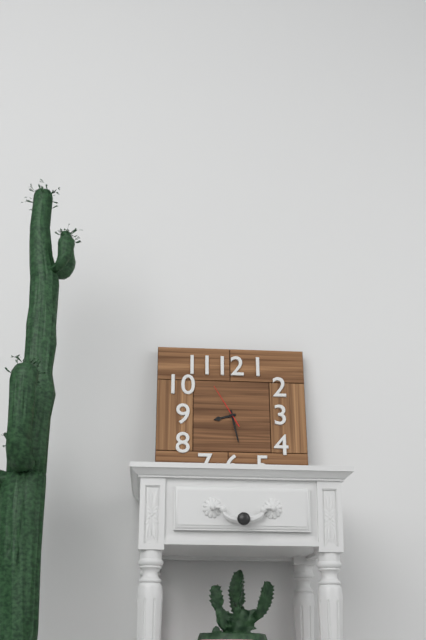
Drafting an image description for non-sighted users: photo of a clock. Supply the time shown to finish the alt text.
8:28
